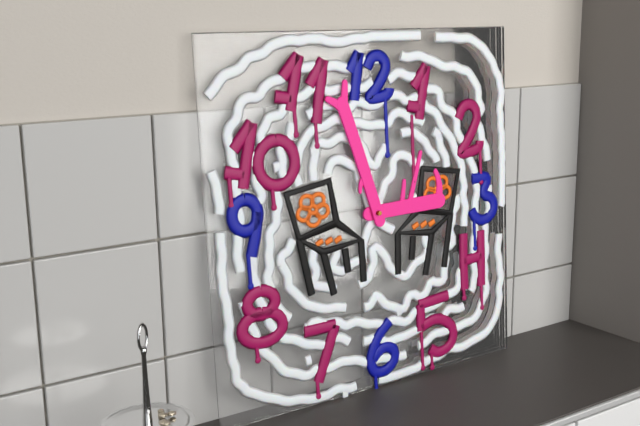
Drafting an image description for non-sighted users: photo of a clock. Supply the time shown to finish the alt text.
2:57
